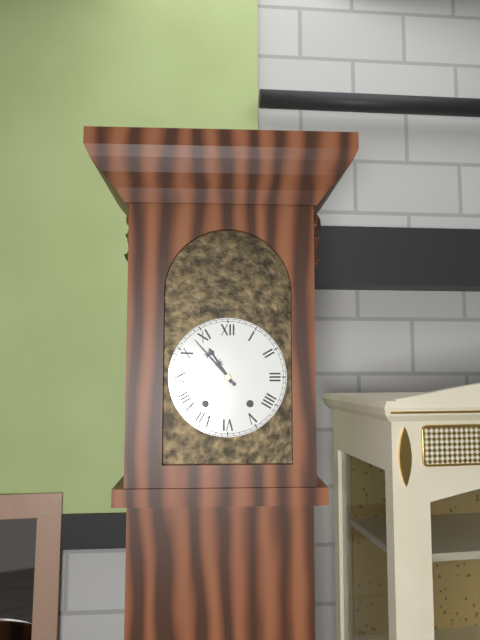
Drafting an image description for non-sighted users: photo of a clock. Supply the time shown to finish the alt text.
10:53
